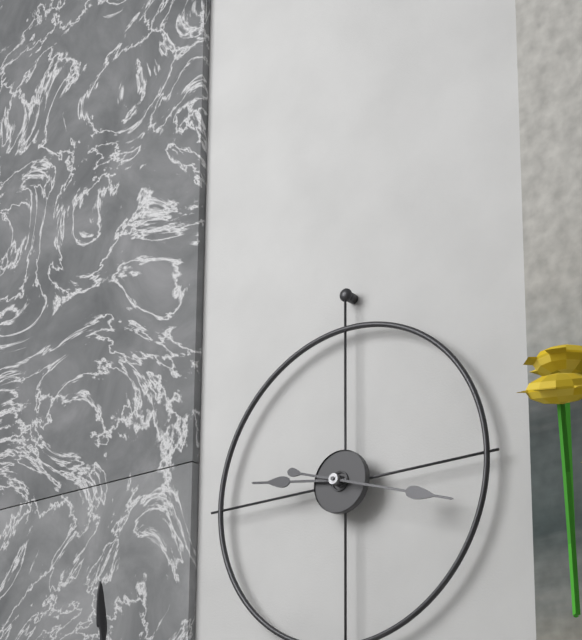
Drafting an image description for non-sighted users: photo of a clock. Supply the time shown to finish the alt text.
9:18
